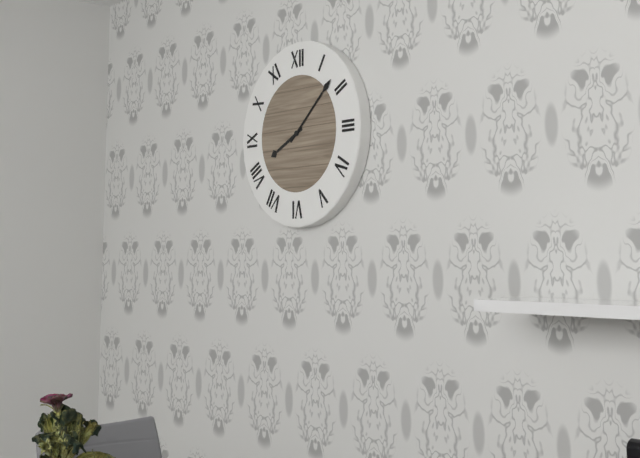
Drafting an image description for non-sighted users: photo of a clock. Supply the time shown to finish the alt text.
8:08
